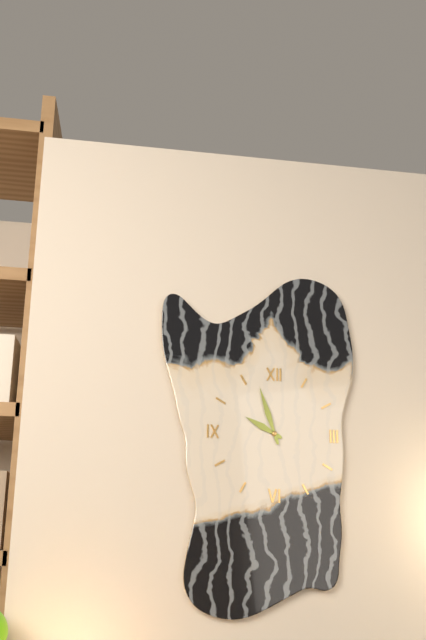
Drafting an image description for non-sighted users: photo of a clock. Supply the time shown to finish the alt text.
9:57
